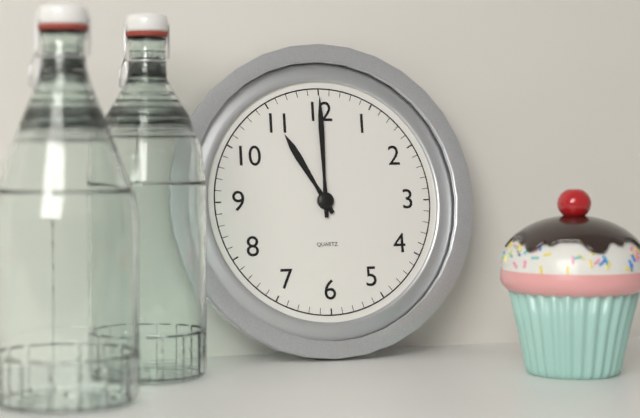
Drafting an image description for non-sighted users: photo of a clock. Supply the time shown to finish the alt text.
11:00
